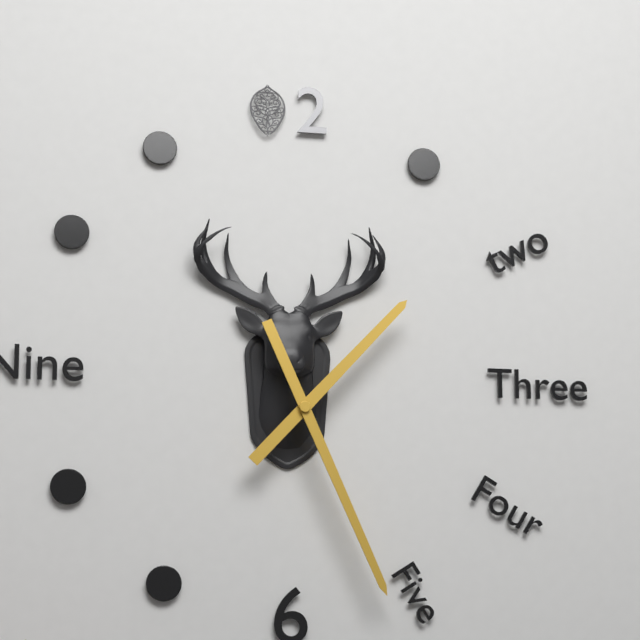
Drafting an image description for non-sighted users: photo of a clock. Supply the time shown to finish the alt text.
1:26
